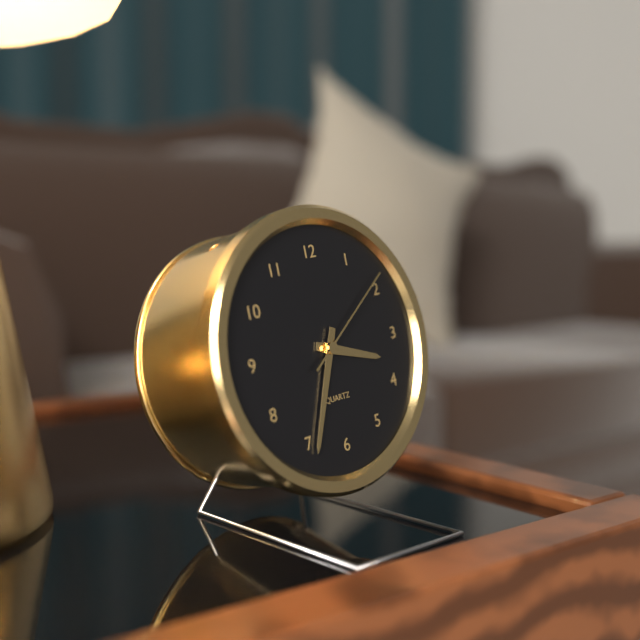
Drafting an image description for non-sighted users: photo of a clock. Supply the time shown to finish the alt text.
3:34:09
